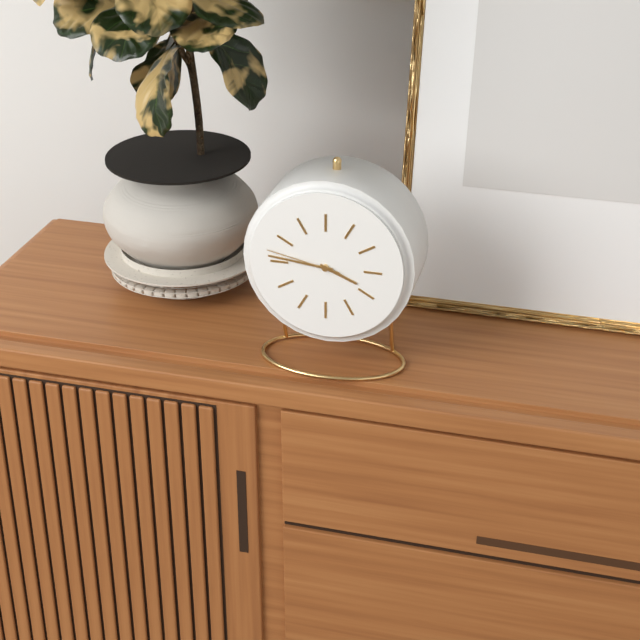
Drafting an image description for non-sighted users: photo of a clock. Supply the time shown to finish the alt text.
3:46:47
